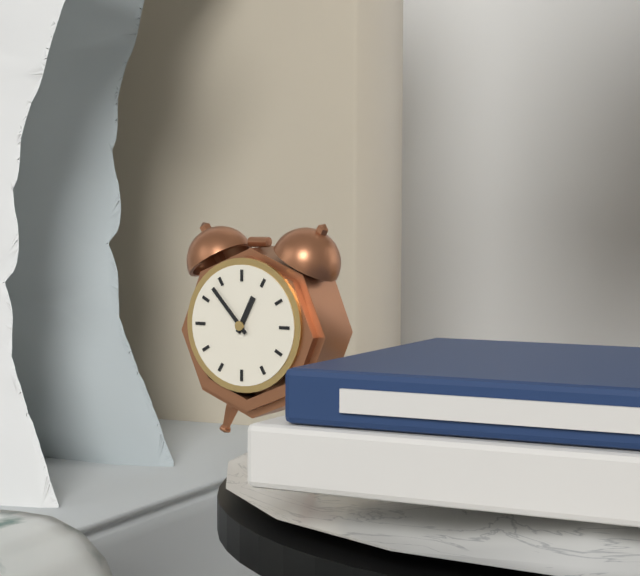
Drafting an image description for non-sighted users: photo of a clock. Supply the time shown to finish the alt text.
12:53
